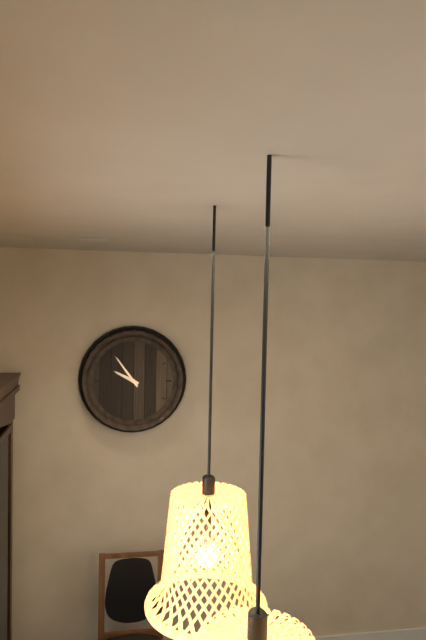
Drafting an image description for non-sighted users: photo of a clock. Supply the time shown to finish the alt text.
9:54
